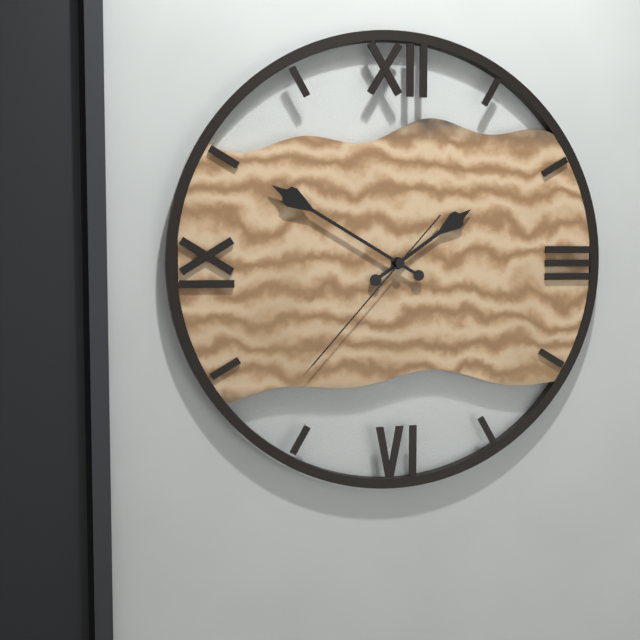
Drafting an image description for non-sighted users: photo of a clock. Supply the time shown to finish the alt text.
1:50:37
